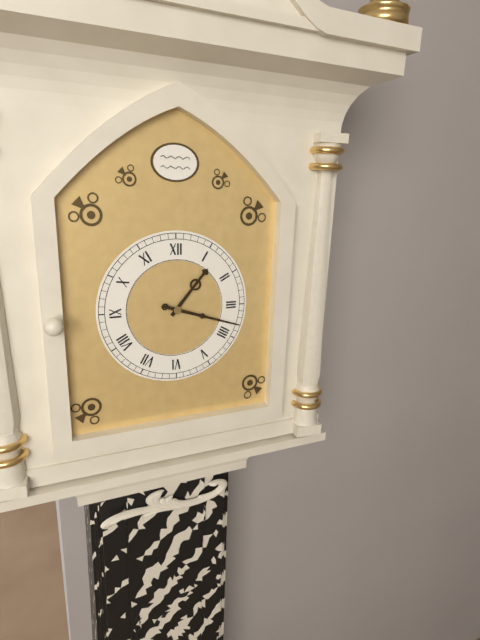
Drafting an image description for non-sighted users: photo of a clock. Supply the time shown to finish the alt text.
1:18
